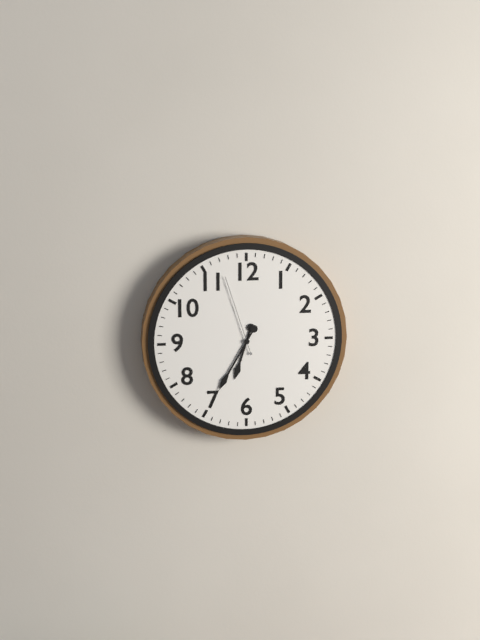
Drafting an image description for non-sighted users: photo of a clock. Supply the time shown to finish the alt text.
6:35:57
